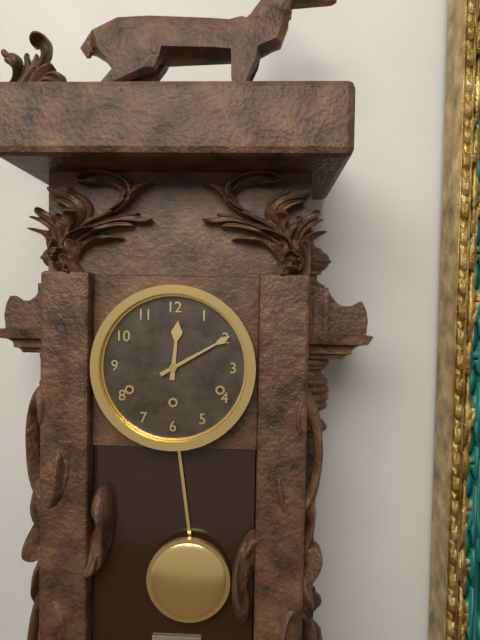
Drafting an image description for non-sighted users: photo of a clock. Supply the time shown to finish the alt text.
12:10
